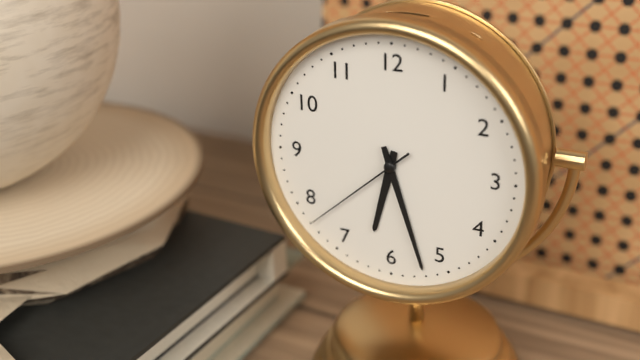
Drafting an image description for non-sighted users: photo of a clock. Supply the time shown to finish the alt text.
6:27:38
